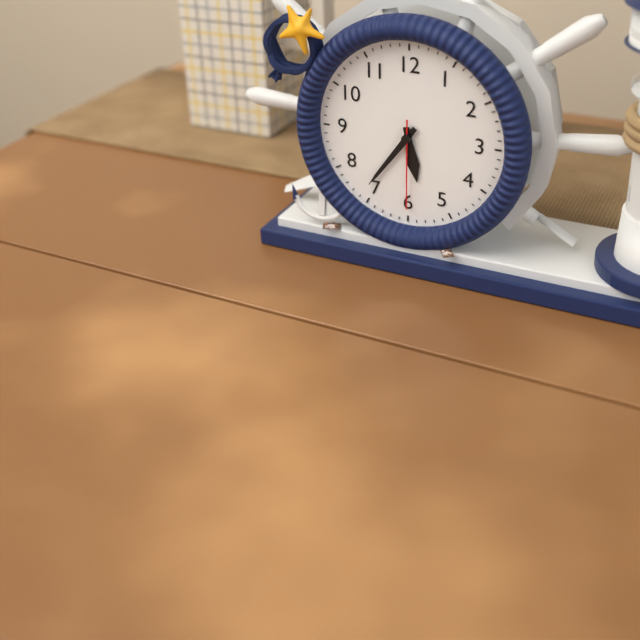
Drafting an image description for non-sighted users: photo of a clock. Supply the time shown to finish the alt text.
5:36:30
